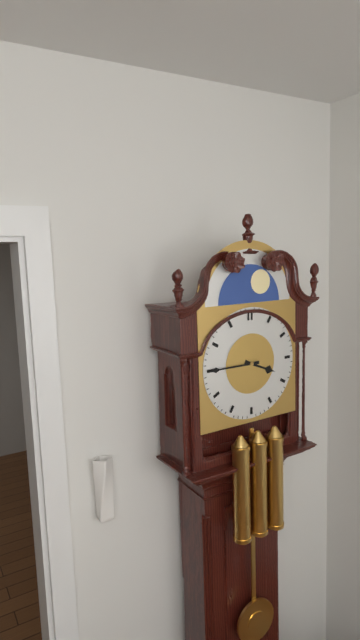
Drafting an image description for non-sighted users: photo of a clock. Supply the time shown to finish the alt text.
3:45
